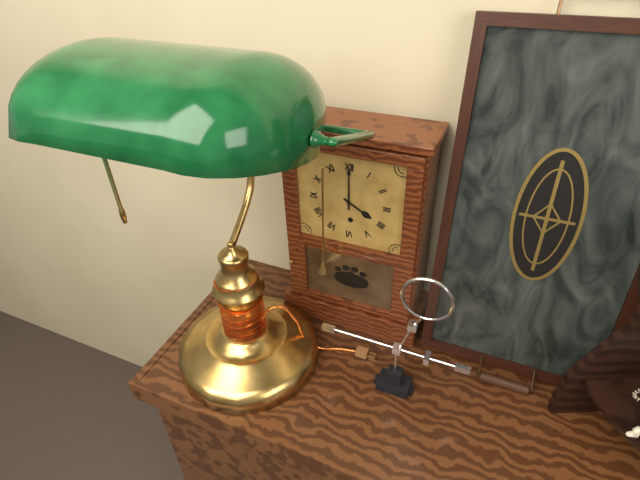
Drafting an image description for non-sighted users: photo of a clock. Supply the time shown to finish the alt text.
4:00
